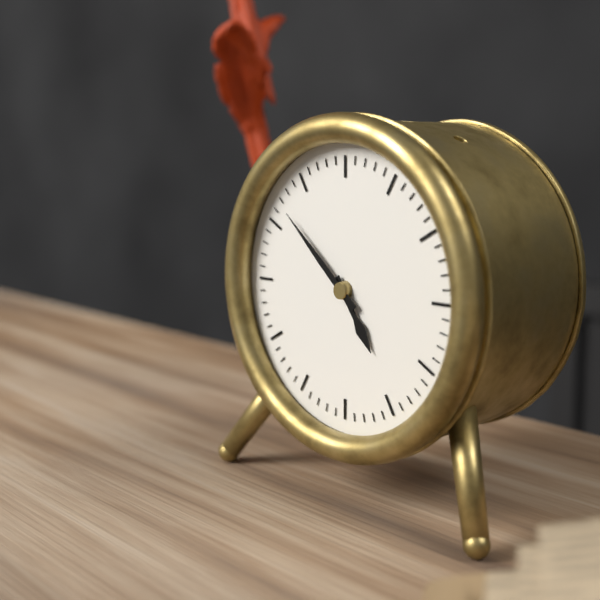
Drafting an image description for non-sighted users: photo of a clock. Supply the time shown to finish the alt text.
4:52
